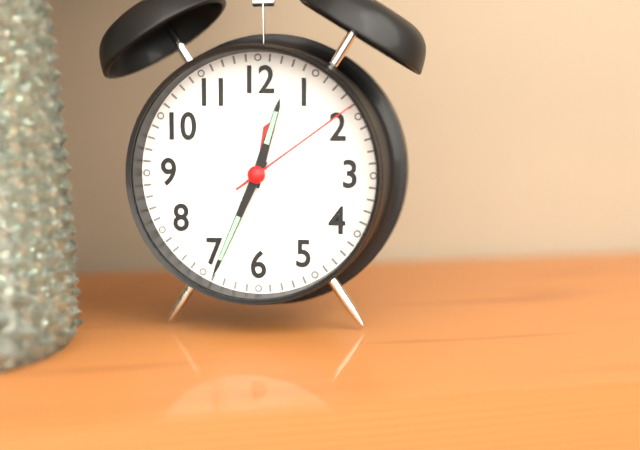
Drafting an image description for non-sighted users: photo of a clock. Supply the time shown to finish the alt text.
12:34:09
